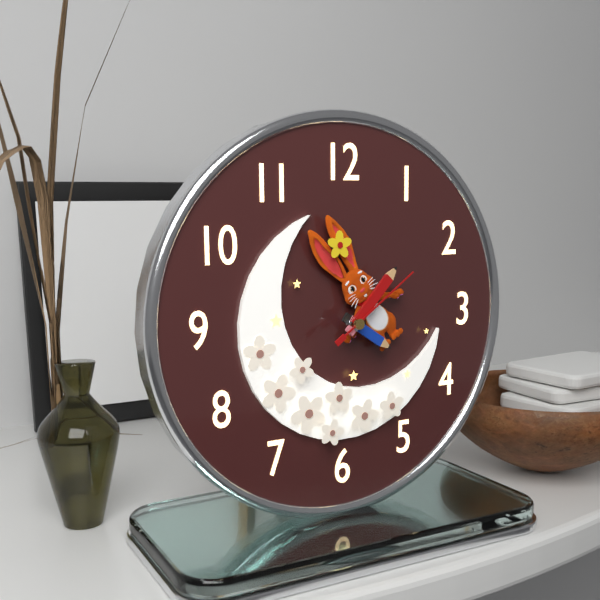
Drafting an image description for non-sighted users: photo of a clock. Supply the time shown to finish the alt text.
4:07:09
